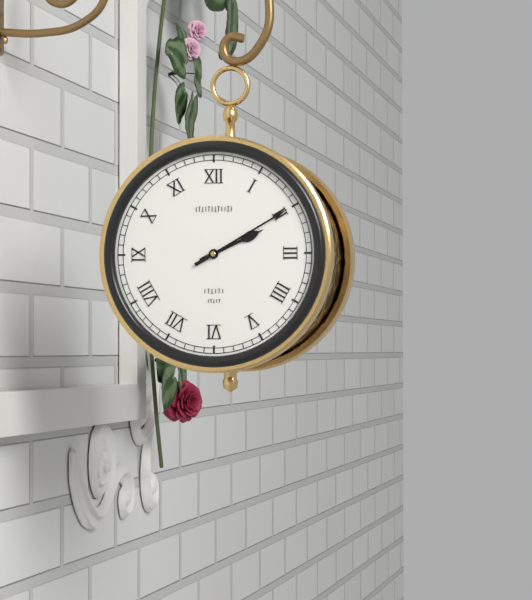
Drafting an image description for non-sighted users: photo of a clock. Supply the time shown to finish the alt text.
2:10
